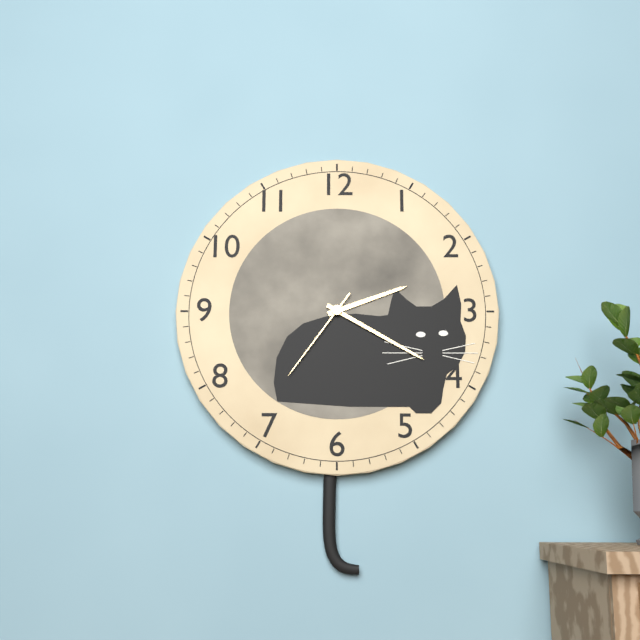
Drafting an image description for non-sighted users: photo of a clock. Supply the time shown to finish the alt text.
2:20:36
